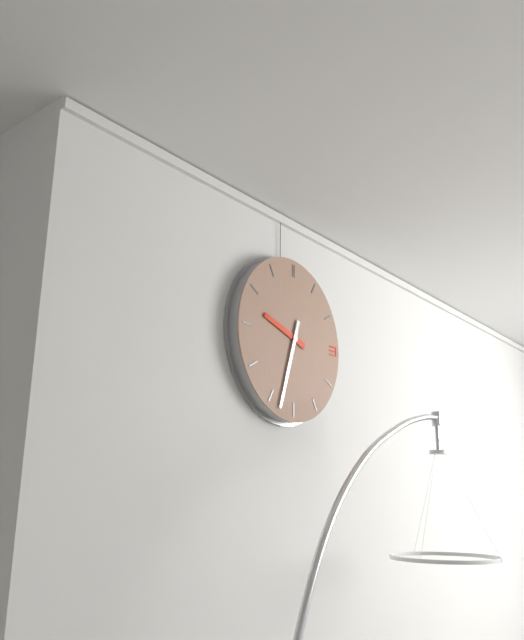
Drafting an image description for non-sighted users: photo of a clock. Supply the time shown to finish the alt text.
9:33
